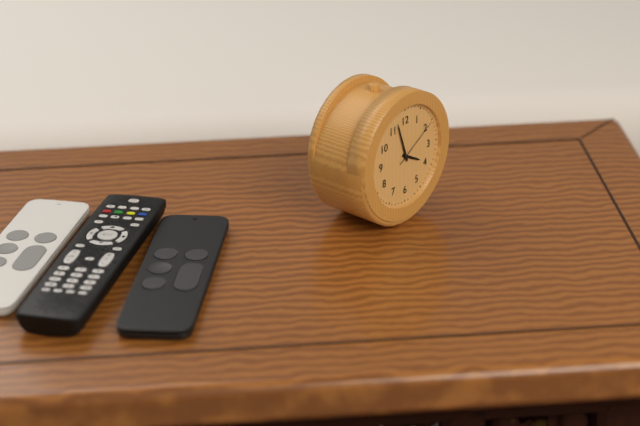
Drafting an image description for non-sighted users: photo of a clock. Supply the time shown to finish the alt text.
3:57:10
